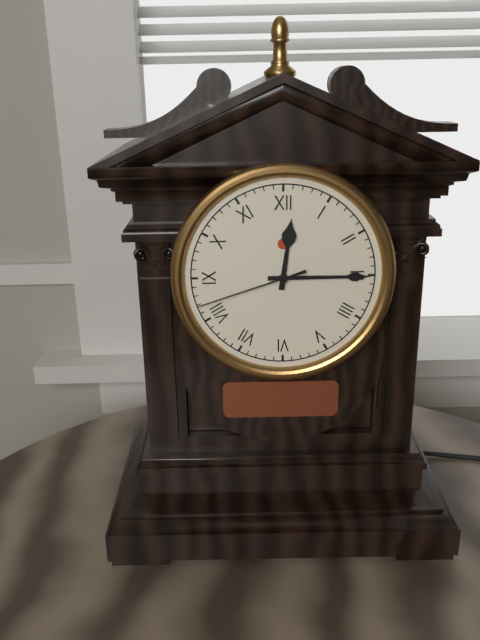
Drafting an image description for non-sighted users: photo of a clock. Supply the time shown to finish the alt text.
12:15:42
